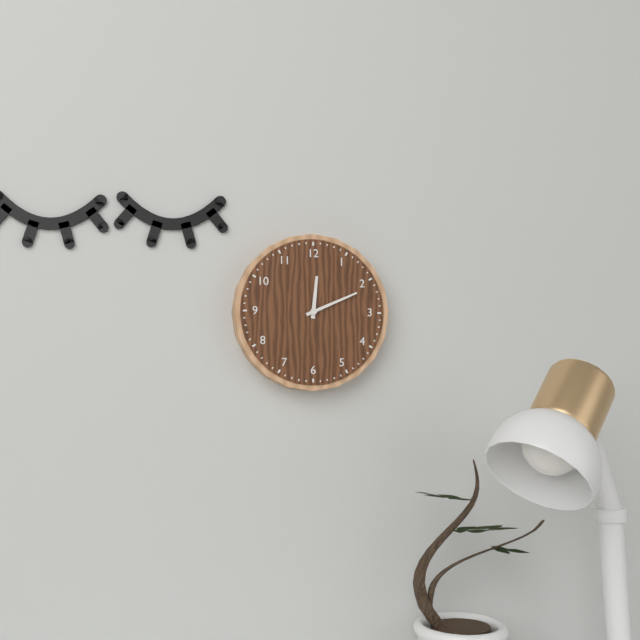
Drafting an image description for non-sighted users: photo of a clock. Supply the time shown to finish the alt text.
12:11
